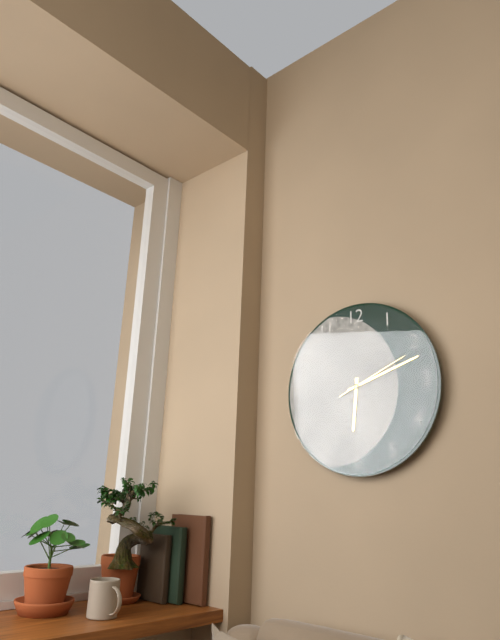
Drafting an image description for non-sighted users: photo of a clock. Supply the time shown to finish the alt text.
6:12:11
